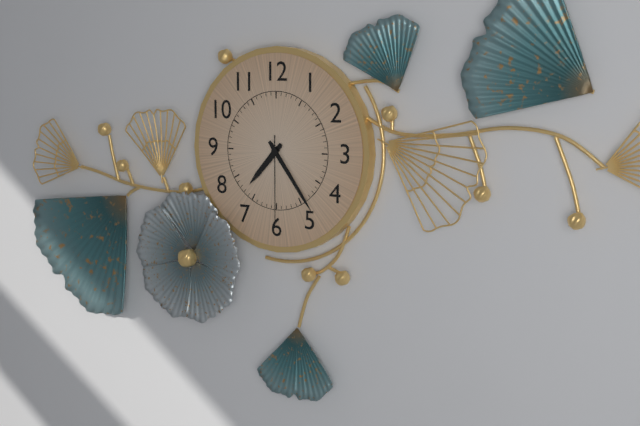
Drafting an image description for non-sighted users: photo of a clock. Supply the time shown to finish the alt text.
7:24:30
